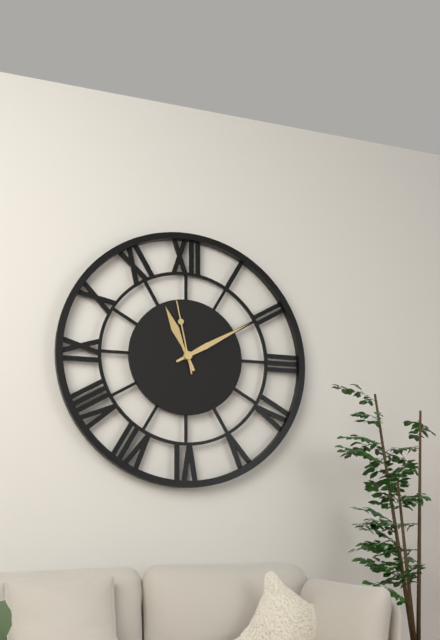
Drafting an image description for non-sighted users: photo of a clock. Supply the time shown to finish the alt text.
11:10:58
